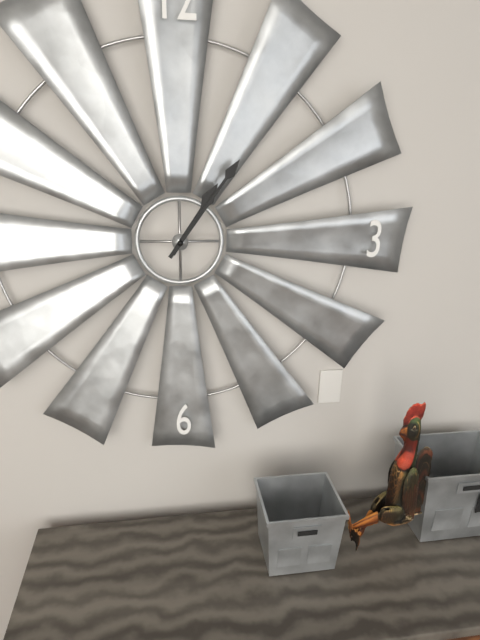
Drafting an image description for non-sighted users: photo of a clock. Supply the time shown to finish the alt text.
1:06
